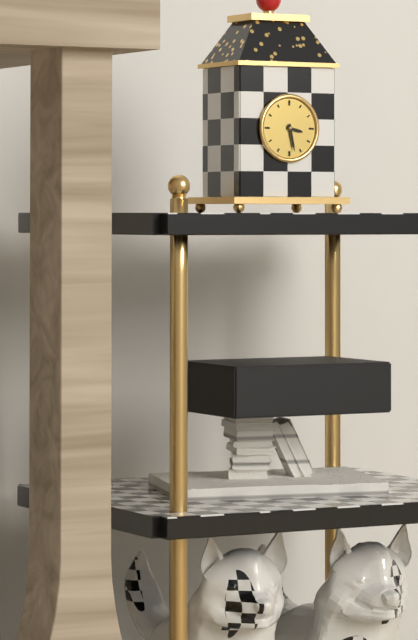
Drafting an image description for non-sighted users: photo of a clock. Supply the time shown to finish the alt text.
3:28
